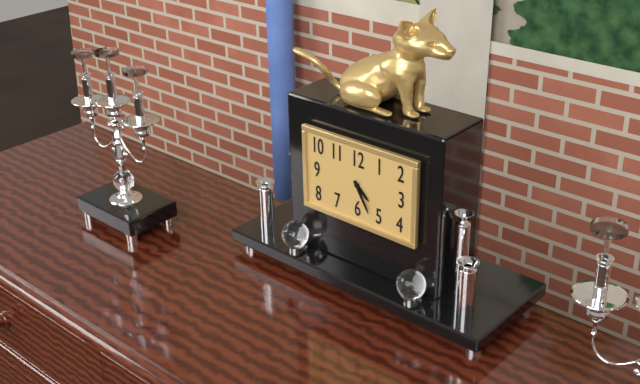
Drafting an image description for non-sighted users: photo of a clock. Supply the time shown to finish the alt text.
4:25
